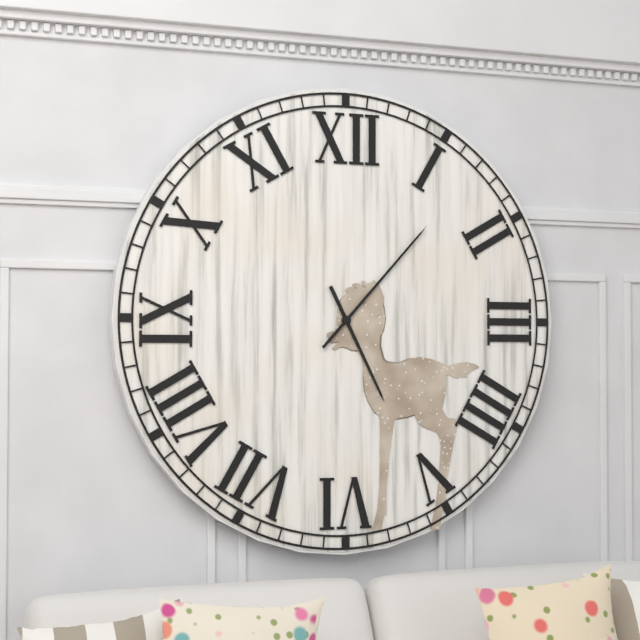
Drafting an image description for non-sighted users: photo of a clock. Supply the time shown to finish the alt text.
5:07
